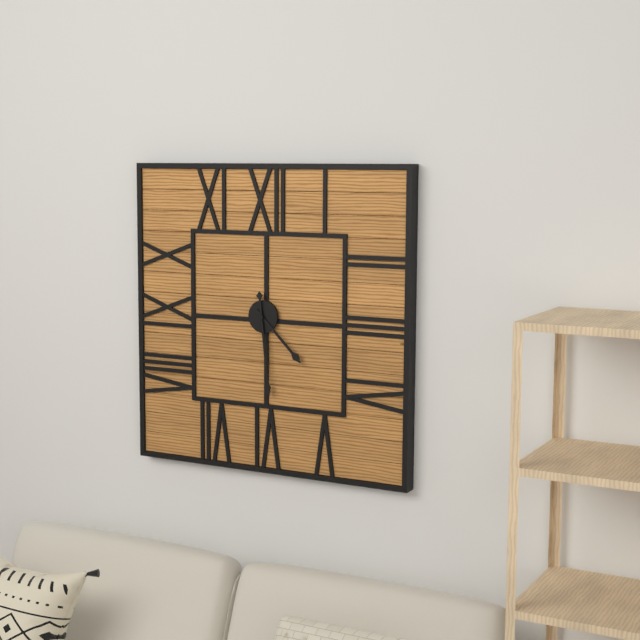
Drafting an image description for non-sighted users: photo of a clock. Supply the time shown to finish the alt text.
4:29
